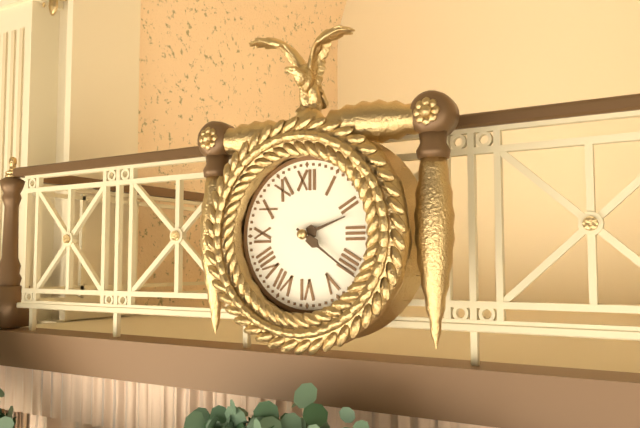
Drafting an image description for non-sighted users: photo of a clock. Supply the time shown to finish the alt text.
2:21
